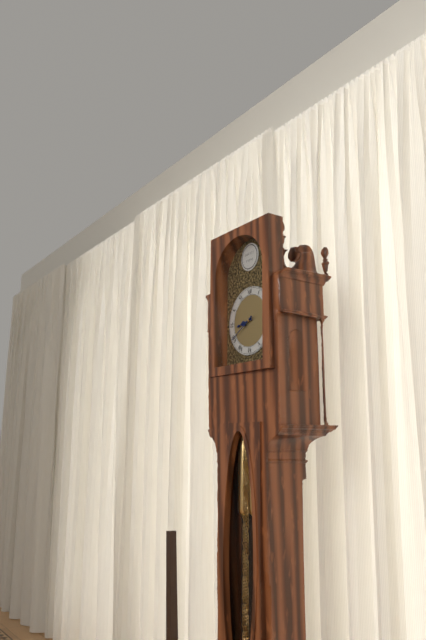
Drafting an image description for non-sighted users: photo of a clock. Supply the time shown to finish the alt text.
8:40
